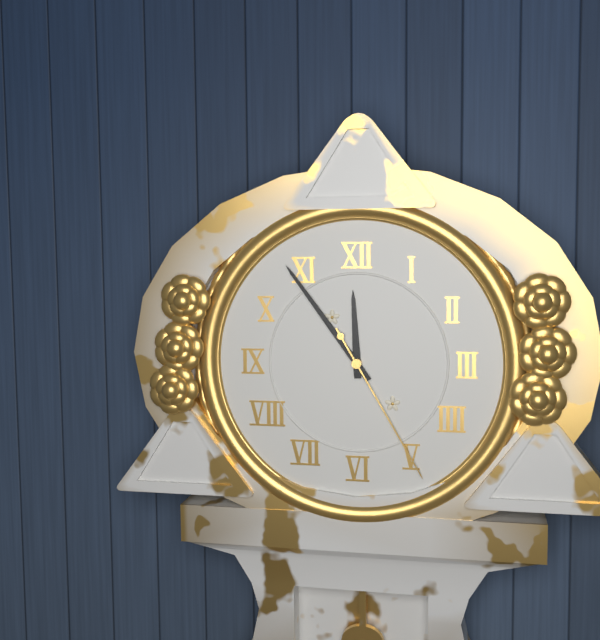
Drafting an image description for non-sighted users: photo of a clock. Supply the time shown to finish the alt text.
11:54:25
